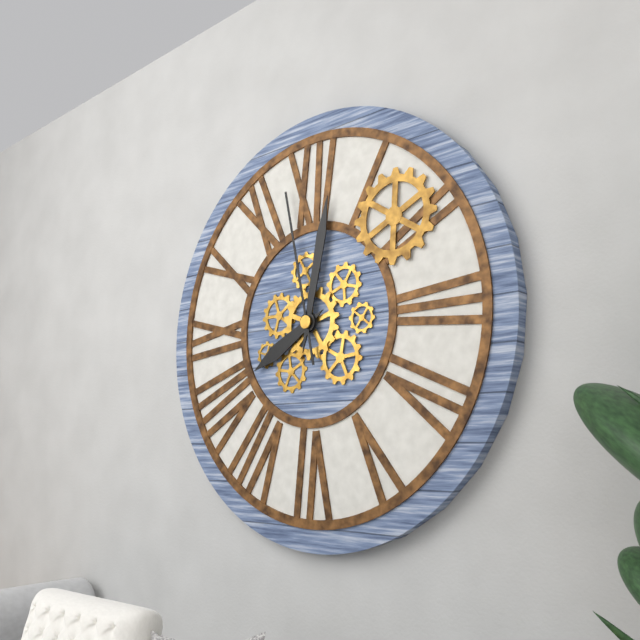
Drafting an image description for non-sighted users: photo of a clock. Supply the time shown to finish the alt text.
8:02:58
